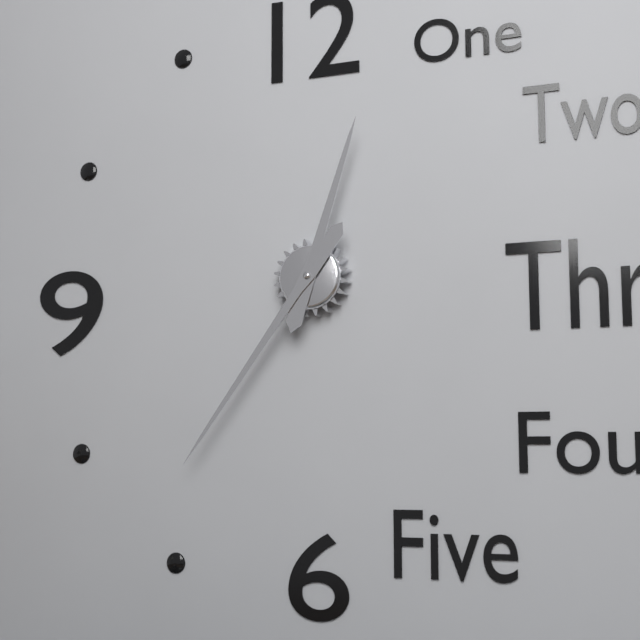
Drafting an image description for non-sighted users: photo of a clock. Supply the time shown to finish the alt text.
12:36
